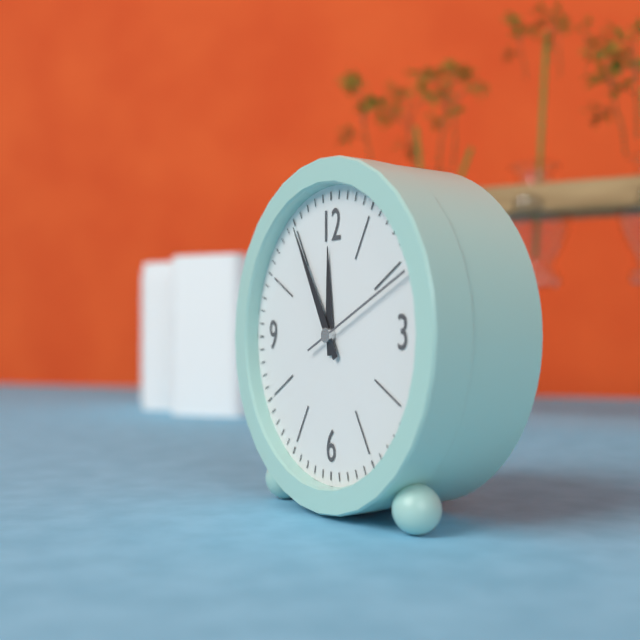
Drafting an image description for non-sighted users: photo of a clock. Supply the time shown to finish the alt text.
11:55:11
